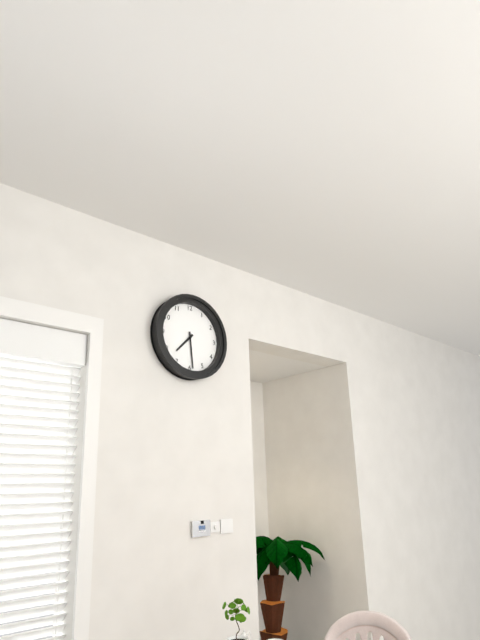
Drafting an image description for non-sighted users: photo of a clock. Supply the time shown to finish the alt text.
7:29
